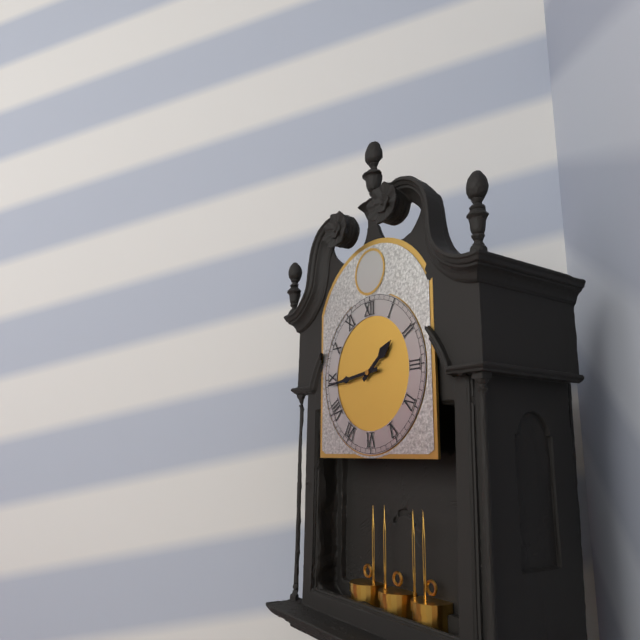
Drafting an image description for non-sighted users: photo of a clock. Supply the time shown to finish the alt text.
1:44
